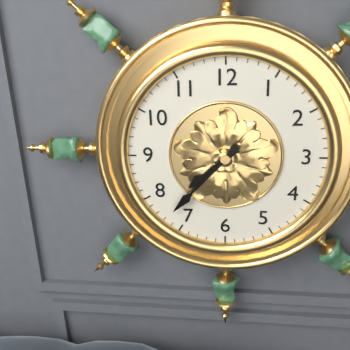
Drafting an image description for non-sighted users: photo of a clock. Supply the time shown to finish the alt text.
7:37
